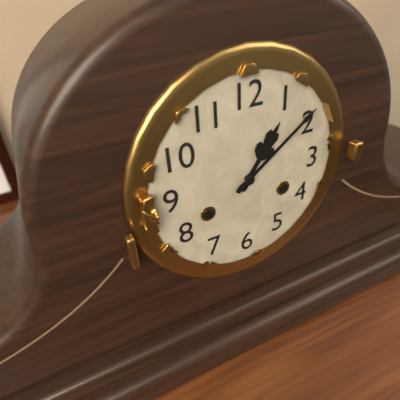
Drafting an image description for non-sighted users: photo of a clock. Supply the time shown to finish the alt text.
1:09
